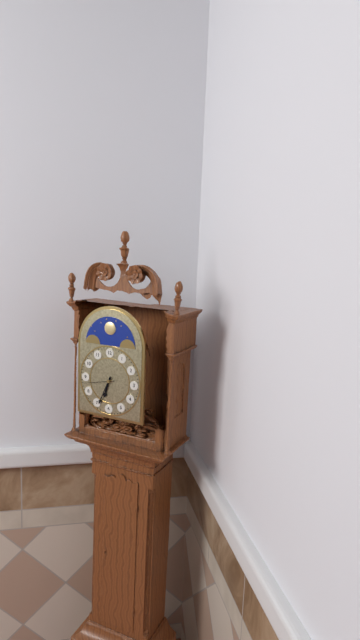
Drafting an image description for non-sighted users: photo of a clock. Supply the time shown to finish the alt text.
6:34
